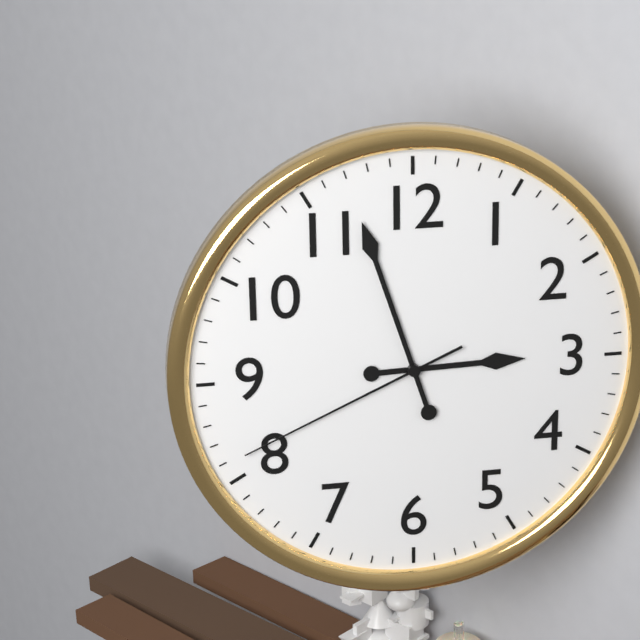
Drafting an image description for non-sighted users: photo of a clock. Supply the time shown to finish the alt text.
2:57:41
